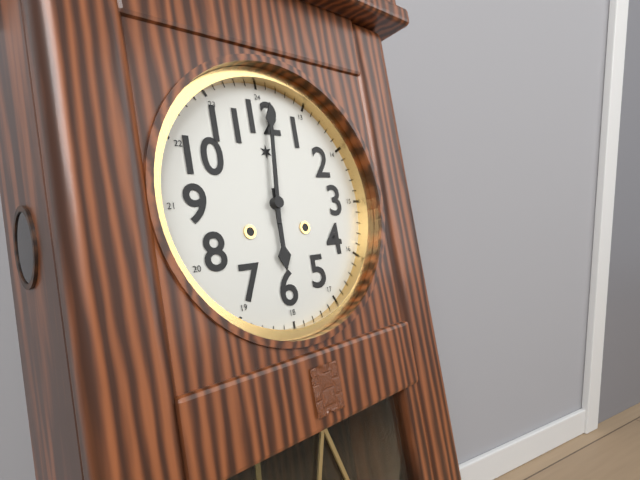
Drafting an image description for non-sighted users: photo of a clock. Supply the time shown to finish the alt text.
6:01
